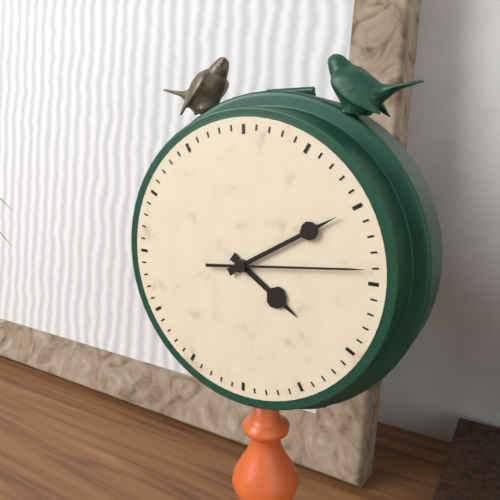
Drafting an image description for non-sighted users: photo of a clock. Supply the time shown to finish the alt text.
4:10:14
